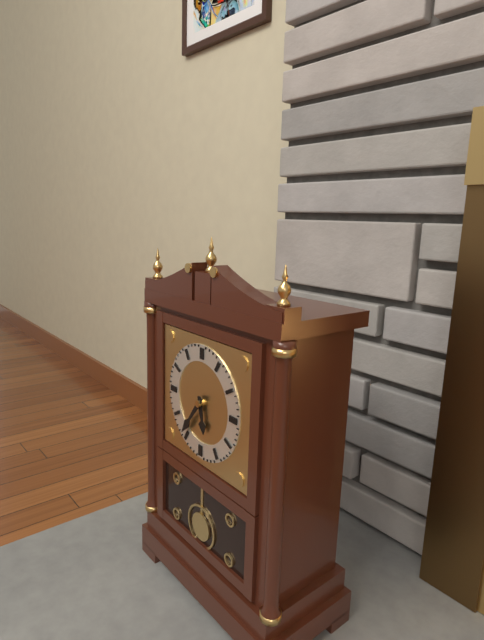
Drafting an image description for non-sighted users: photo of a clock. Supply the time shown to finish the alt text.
5:36
